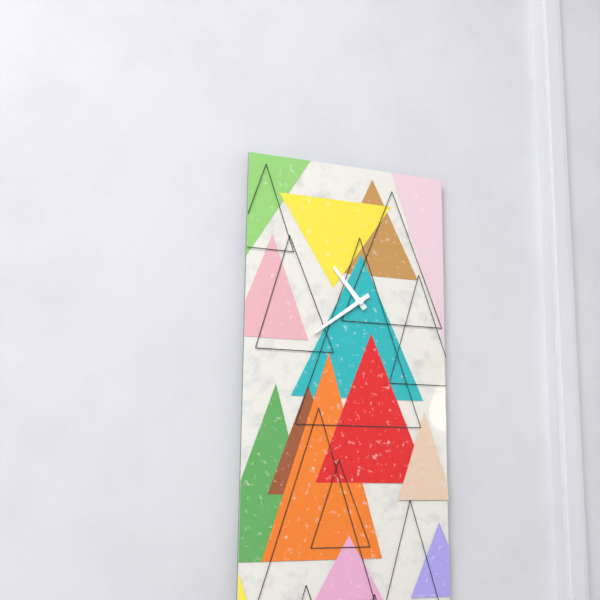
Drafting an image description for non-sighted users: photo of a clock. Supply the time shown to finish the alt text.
10:39
